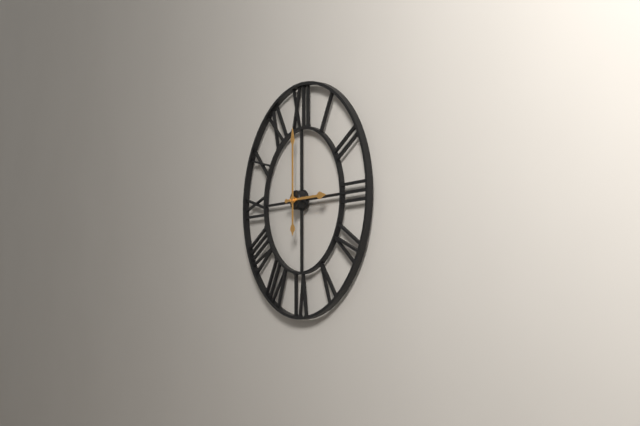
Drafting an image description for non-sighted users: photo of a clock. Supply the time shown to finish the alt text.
3:00
